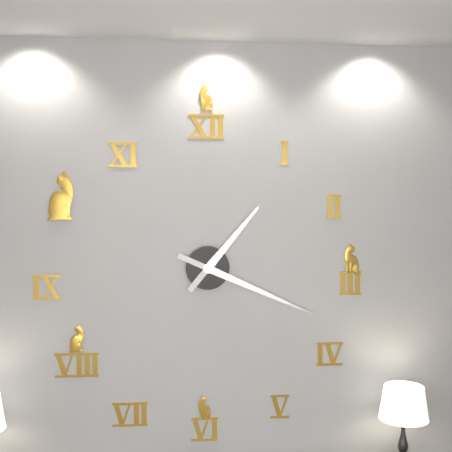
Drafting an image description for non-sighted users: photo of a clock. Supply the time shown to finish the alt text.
1:19
